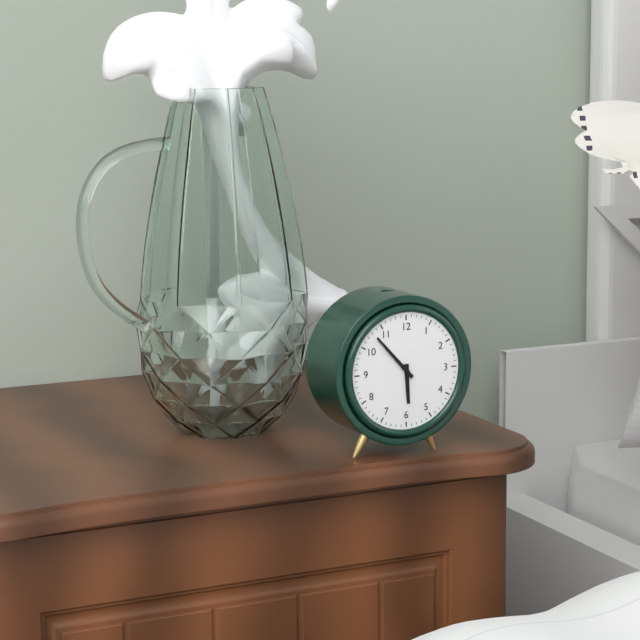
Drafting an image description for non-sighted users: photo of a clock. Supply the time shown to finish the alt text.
5:53
